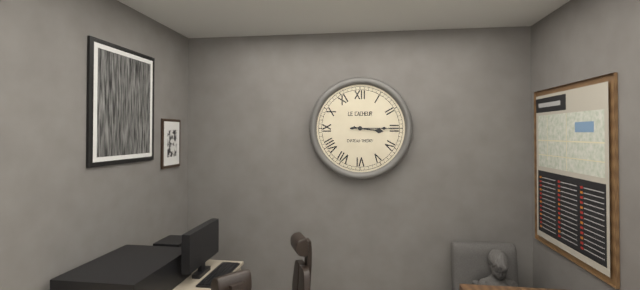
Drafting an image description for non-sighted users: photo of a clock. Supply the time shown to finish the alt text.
3:15
